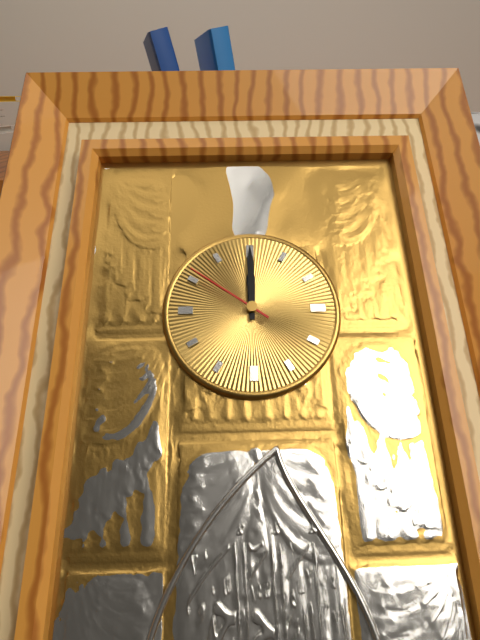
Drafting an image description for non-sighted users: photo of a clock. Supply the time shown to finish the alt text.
12:00:51
